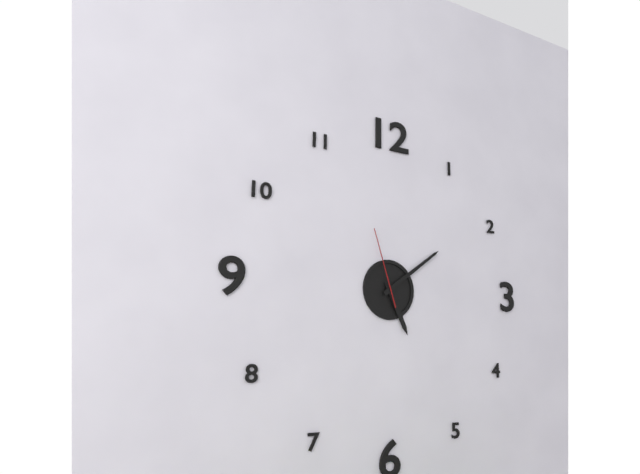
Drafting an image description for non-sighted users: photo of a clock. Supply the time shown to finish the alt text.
5:09:57
